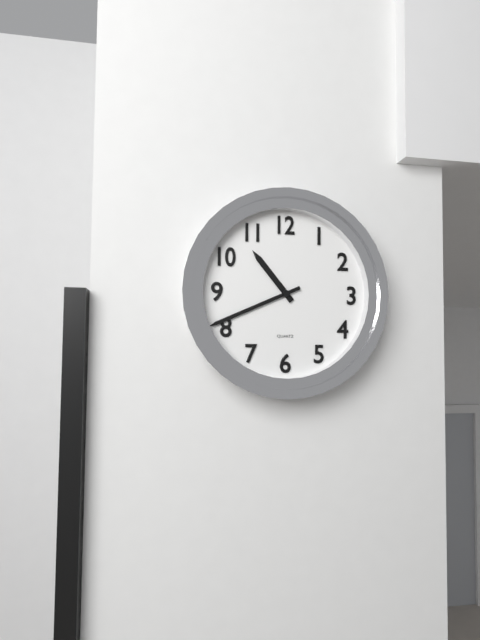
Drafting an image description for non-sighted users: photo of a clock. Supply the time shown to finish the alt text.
10:41
